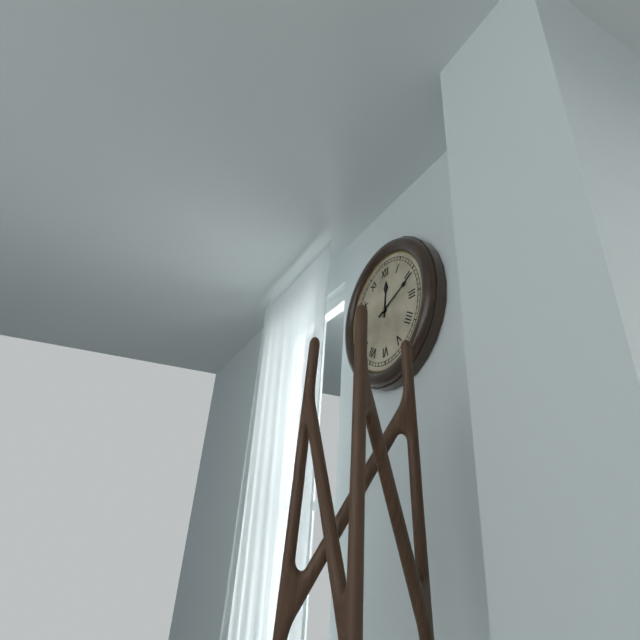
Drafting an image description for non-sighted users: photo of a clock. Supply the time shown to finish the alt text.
12:11
